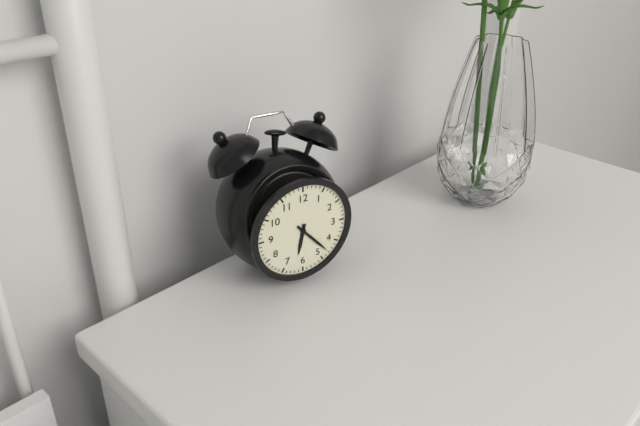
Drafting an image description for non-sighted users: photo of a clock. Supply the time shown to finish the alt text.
6:23
